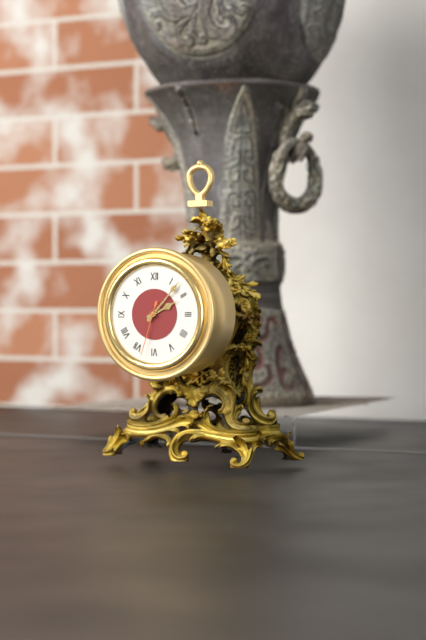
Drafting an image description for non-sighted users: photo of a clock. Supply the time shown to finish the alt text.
2:07:33
